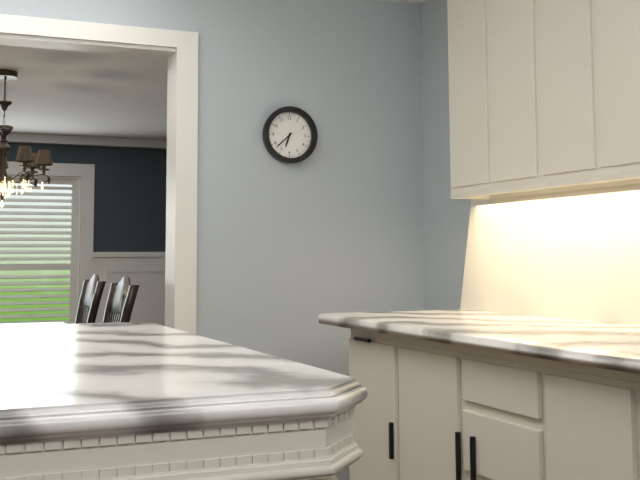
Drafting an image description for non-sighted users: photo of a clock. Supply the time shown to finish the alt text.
6:38
